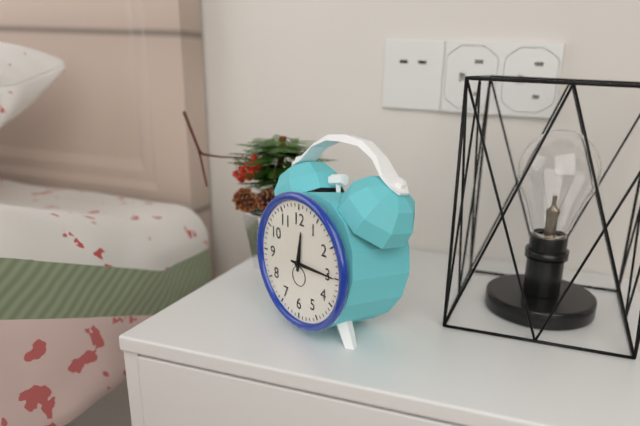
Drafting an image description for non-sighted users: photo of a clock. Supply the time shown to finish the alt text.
12:15
